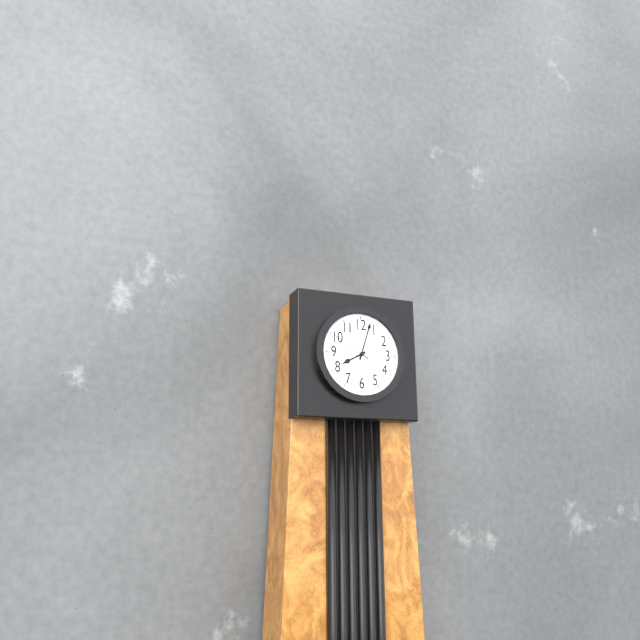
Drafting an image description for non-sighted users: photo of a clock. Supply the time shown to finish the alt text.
8:03
